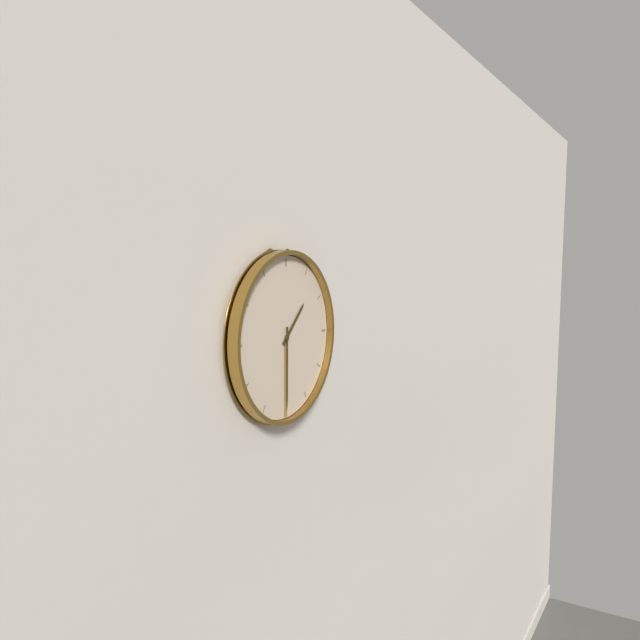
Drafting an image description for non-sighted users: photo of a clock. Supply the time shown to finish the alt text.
1:30
